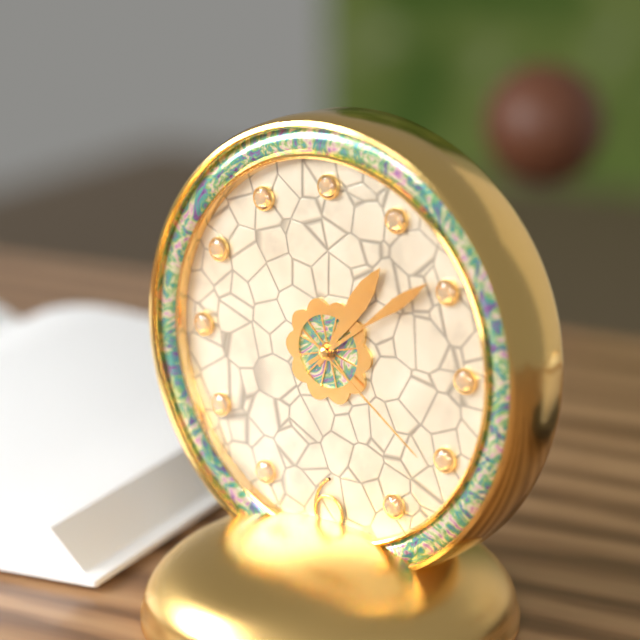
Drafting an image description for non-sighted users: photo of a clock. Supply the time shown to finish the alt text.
1:09:21
